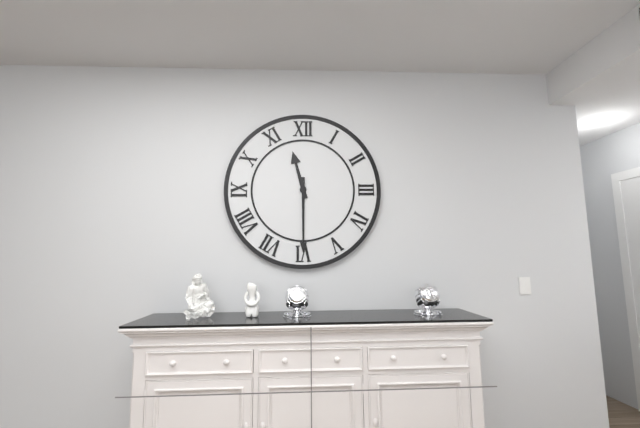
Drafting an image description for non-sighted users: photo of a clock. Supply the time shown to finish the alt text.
11:30
